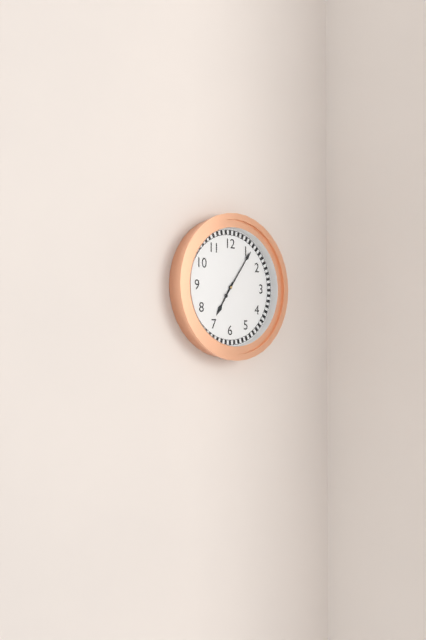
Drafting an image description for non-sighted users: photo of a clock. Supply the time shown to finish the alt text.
7:06
